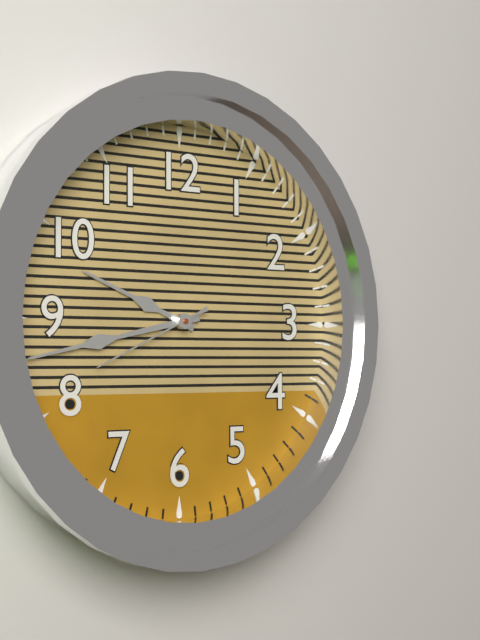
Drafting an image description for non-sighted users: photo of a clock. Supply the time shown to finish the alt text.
9:43:41
